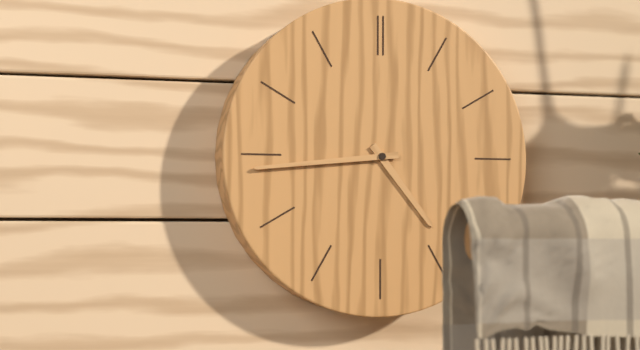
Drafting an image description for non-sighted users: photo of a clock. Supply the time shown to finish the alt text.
4:44
